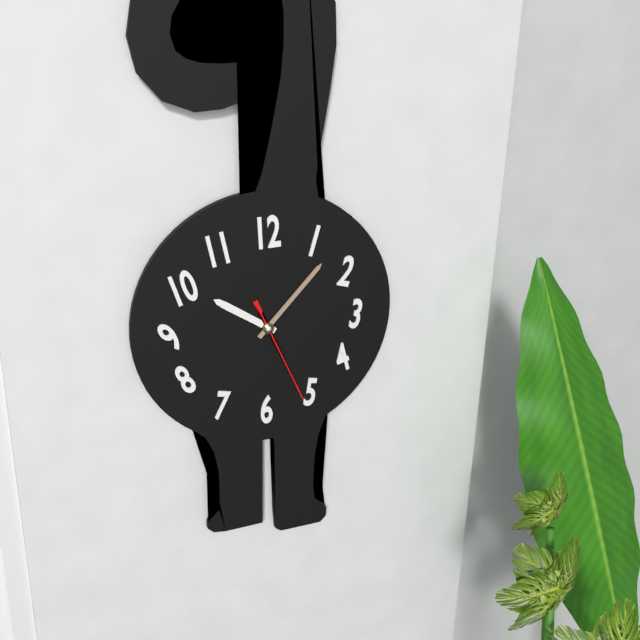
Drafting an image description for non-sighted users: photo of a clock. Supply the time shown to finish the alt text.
10:07:26
